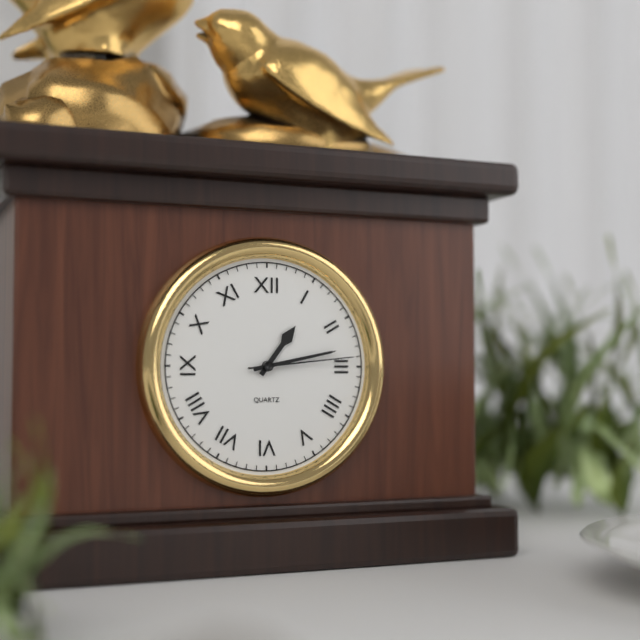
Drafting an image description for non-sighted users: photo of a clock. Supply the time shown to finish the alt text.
1:13:14
